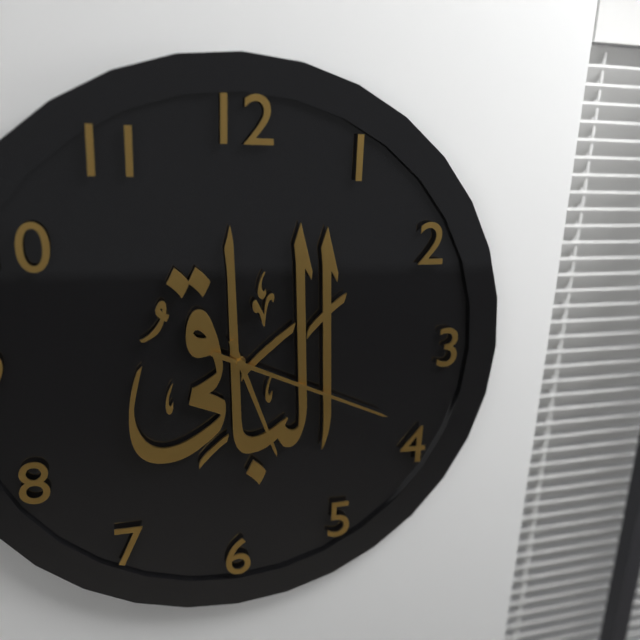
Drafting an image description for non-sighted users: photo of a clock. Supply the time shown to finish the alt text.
5:19
